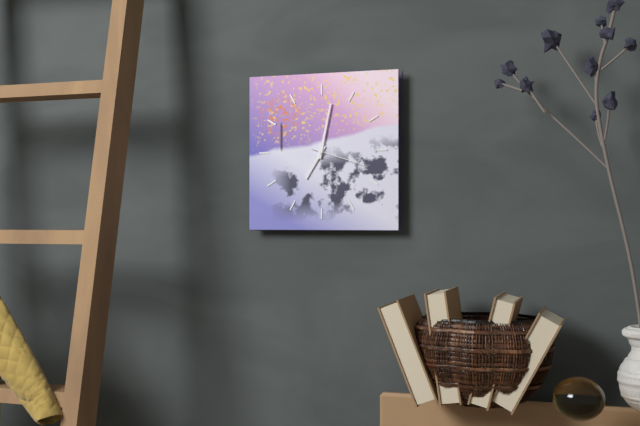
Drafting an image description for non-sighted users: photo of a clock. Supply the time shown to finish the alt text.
7:02:18
